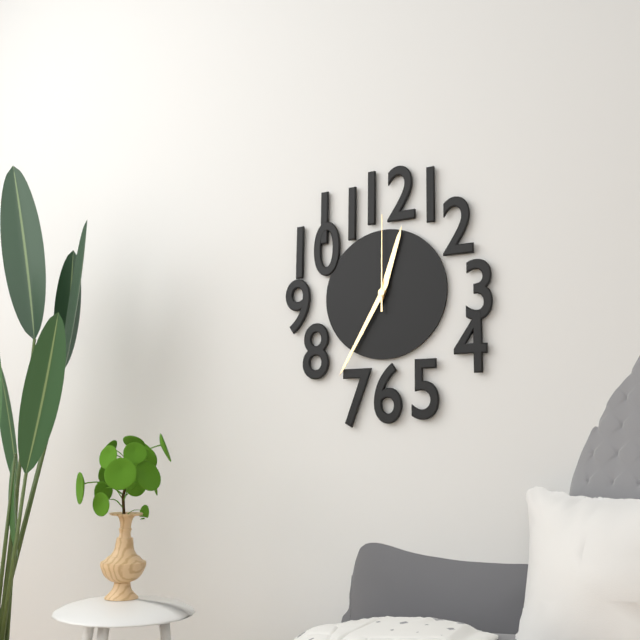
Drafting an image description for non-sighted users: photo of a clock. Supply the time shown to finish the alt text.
12:35:00
